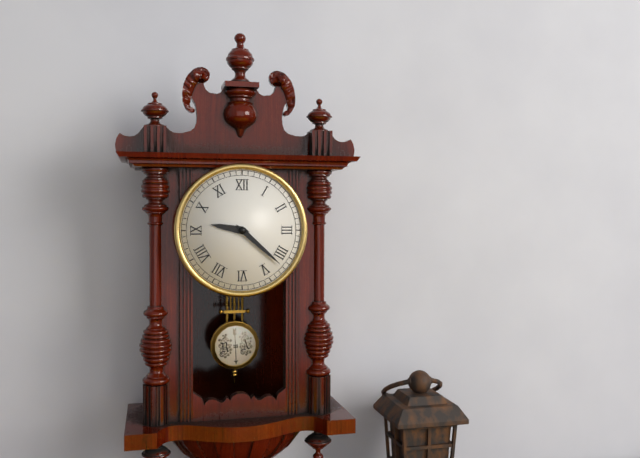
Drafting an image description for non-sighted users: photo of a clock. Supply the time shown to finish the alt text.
9:22
